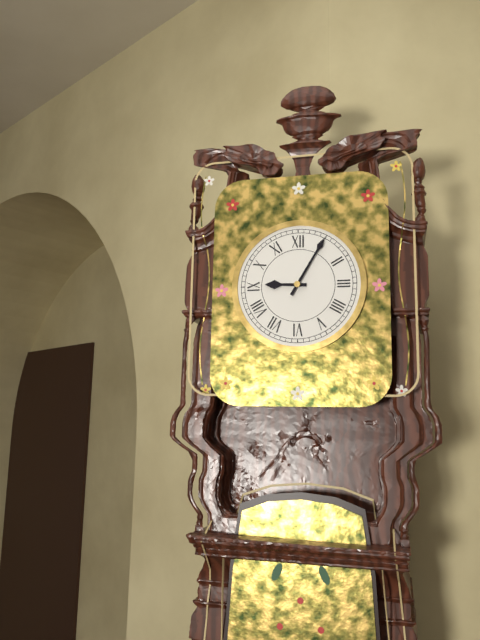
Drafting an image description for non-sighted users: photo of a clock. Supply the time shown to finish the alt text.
9:05
